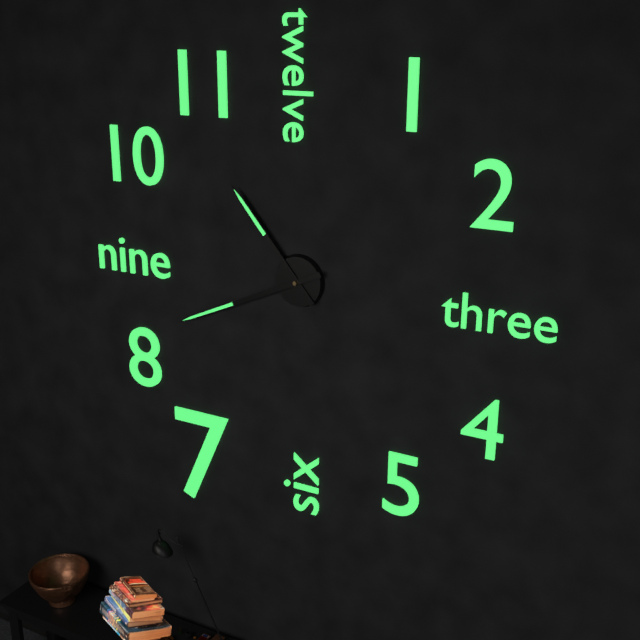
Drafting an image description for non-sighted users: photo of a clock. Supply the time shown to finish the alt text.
10:41
